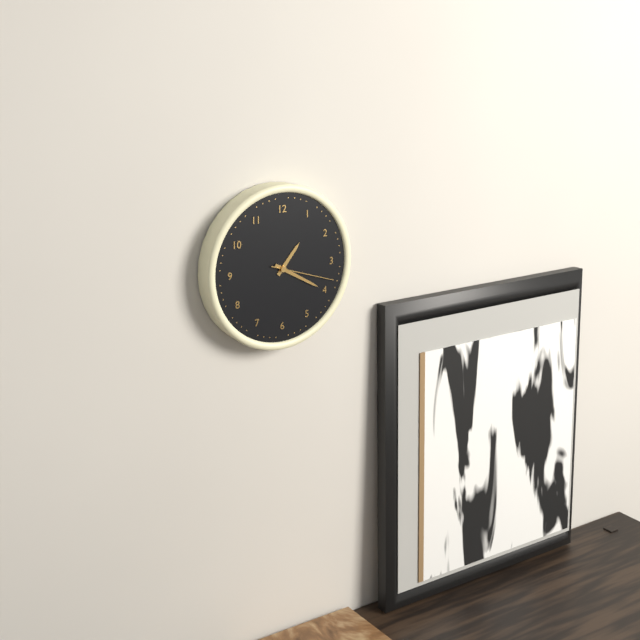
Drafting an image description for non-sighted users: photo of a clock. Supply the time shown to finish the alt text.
1:20:18
